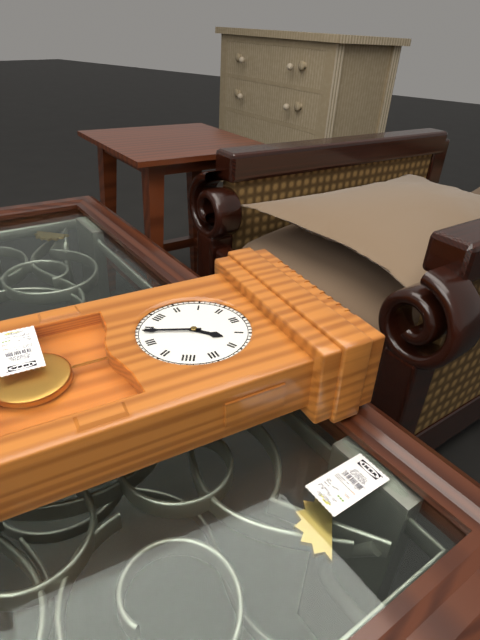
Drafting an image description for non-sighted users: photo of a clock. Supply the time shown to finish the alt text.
1:34
